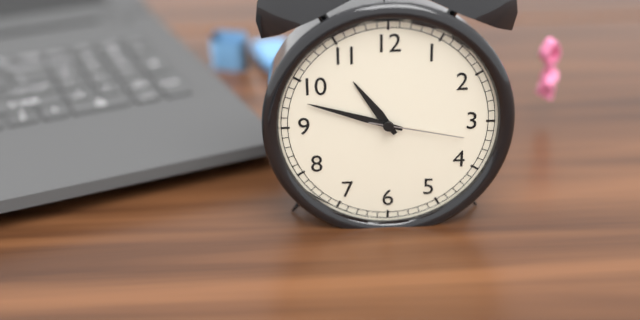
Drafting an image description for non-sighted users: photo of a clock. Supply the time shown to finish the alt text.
10:48:17
